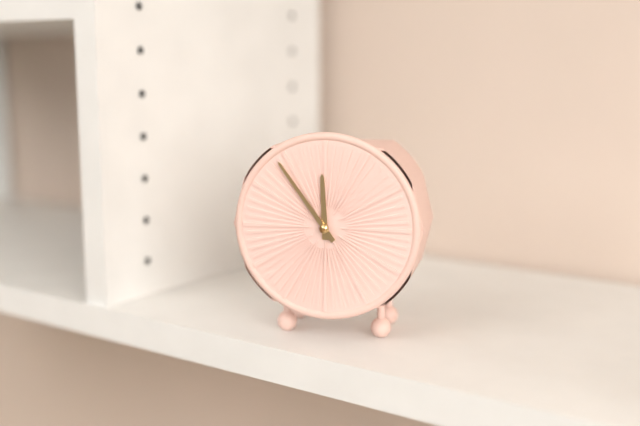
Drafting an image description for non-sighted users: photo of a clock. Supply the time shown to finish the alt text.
11:54
